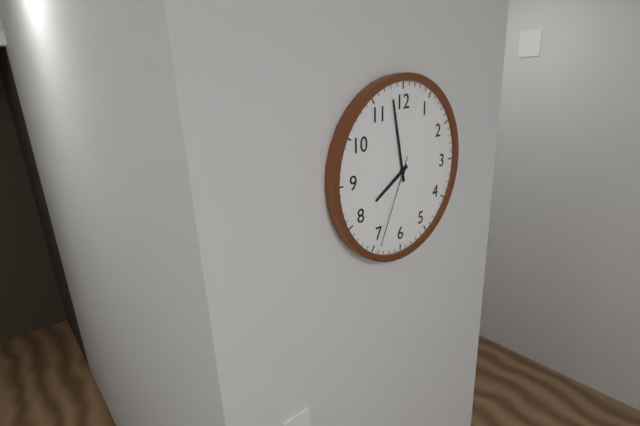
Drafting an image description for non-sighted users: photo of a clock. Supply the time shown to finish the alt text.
7:58:34
